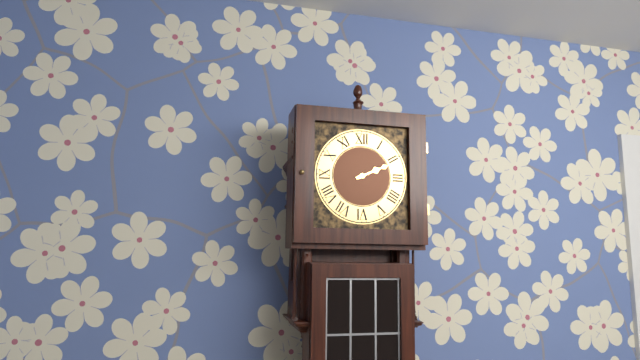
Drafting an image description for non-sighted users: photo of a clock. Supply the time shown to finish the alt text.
2:11
